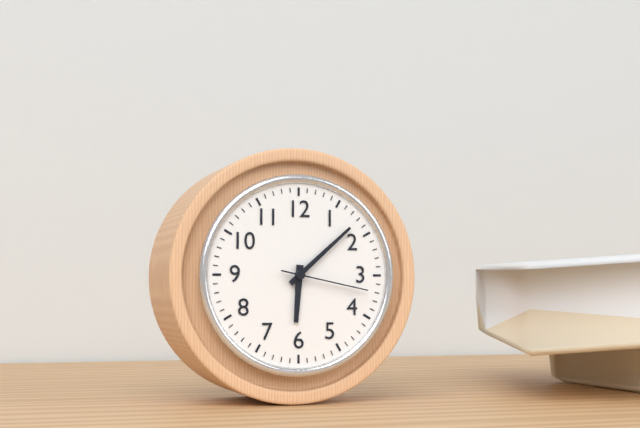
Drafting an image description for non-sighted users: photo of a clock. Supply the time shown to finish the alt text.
6:08:17
